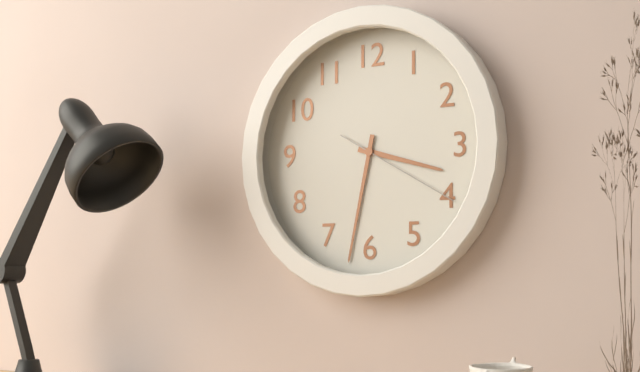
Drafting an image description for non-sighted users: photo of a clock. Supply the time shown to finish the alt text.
3:32:20
